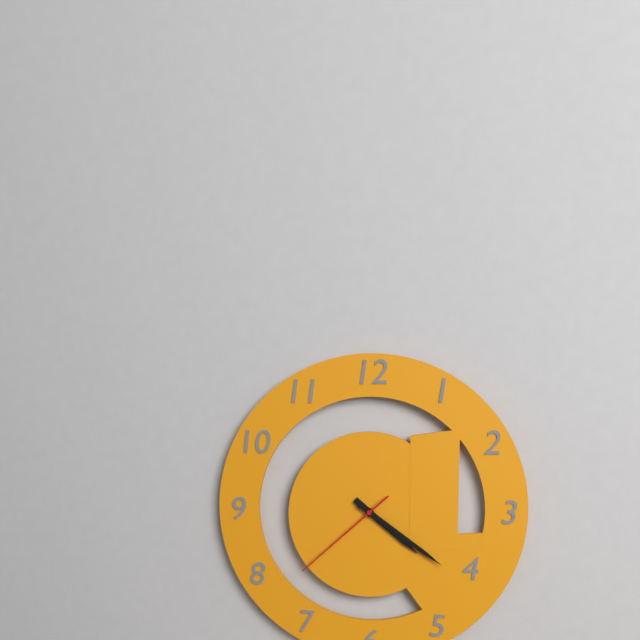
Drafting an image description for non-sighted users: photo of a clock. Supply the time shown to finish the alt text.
4:21:38
